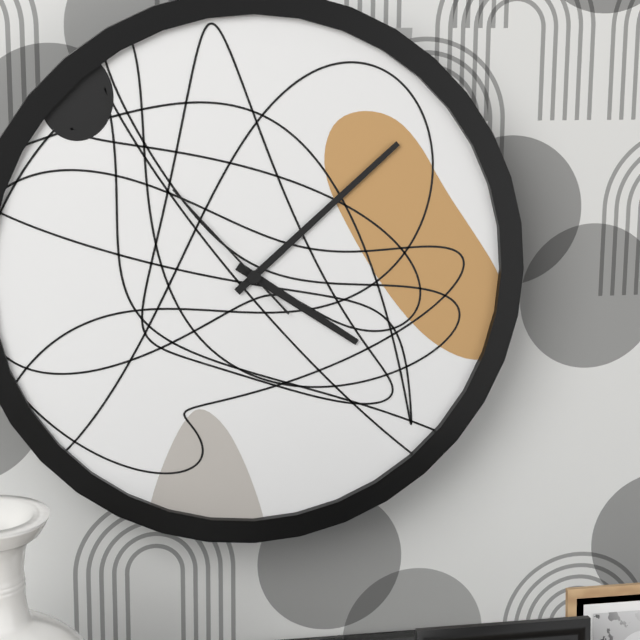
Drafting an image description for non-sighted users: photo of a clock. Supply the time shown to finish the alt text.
4:08:53
